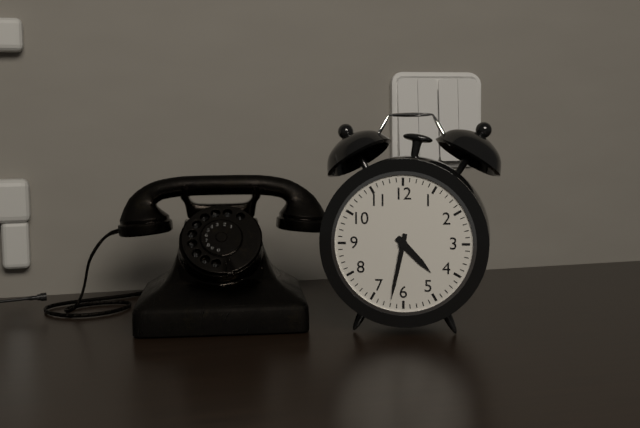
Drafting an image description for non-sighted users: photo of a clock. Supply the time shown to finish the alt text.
4:32
